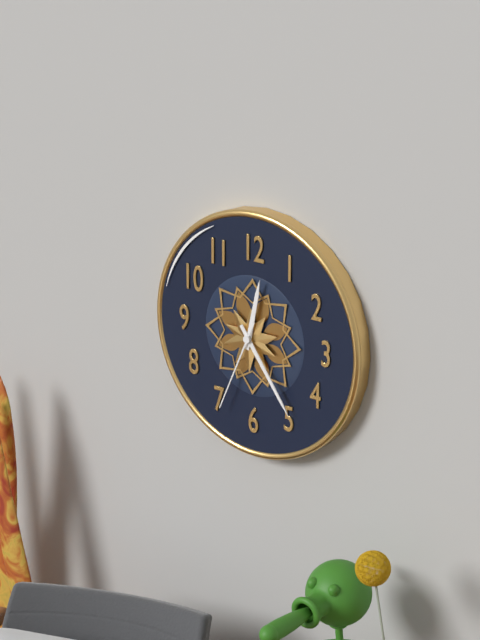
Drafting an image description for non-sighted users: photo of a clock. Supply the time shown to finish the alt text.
12:24:34
